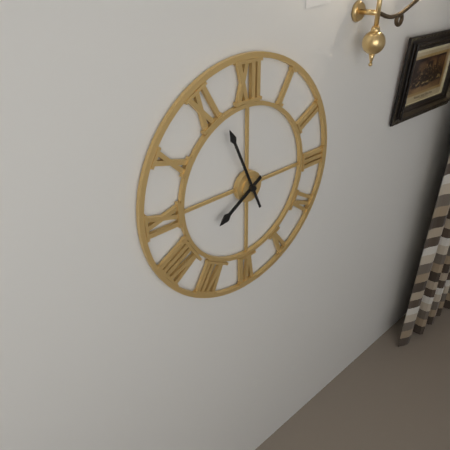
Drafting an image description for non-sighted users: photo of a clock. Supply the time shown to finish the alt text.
7:56
